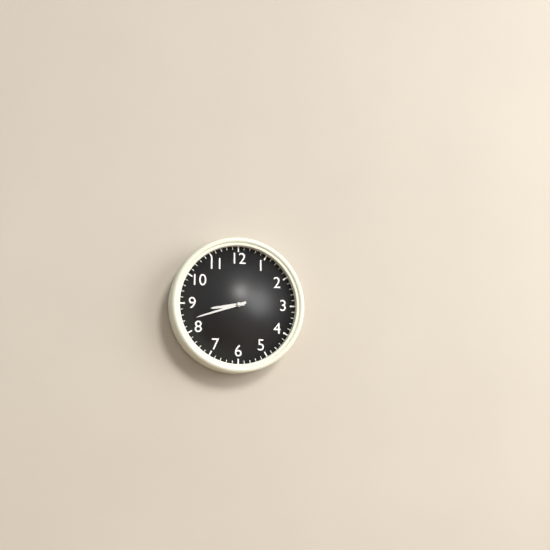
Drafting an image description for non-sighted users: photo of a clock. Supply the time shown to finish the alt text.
8:42
